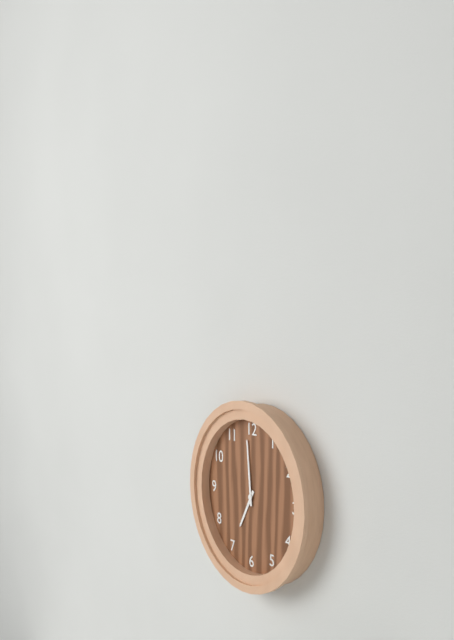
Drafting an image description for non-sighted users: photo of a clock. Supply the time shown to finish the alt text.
6:59
